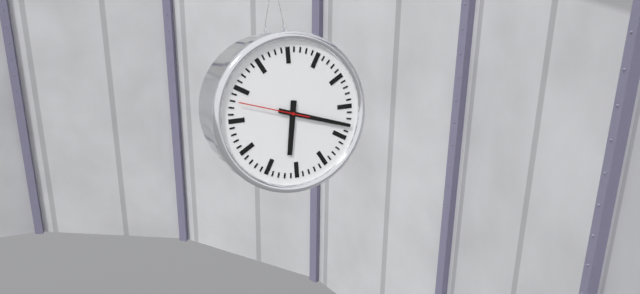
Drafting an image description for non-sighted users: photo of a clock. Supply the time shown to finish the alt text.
6:18:48
